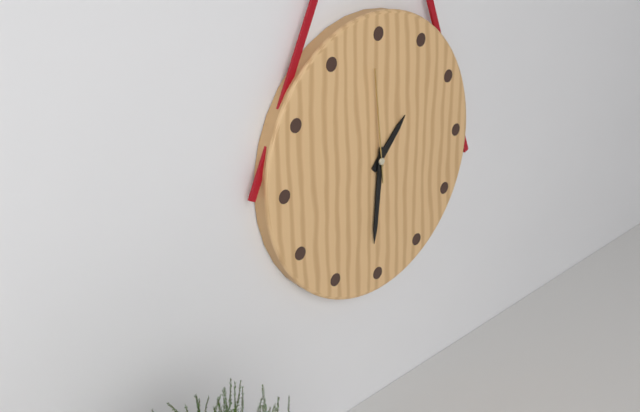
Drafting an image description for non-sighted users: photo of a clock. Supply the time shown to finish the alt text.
1:31:59
